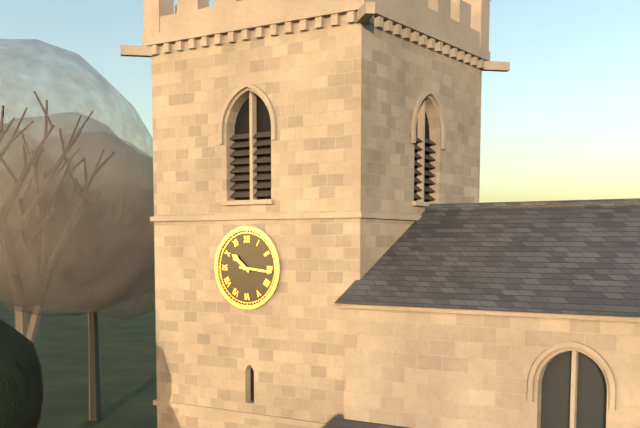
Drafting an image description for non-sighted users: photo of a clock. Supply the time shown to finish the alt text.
10:16
